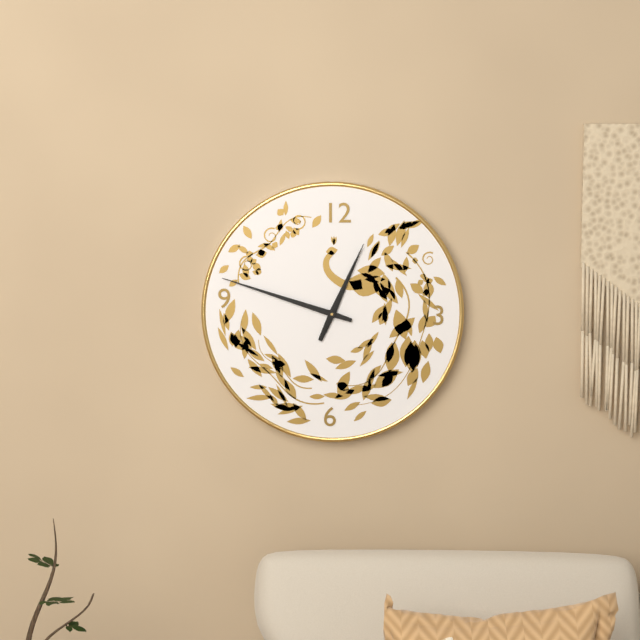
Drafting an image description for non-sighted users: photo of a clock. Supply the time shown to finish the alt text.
12:48:04
